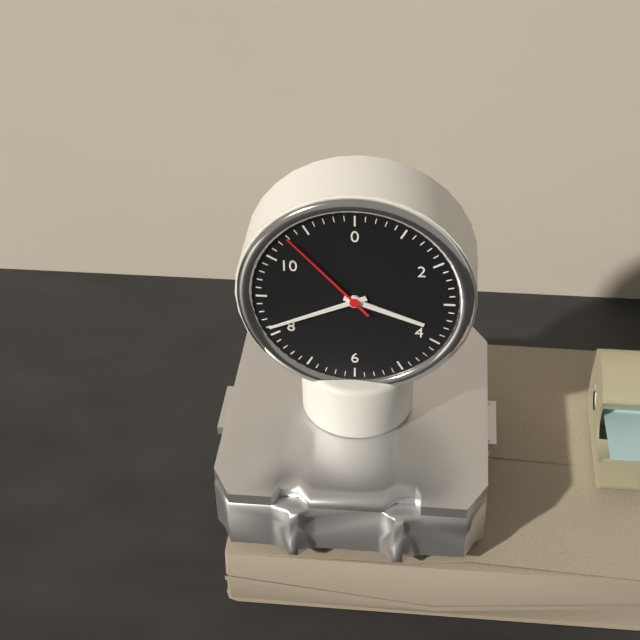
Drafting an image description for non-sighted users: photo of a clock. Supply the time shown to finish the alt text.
3:41:53
